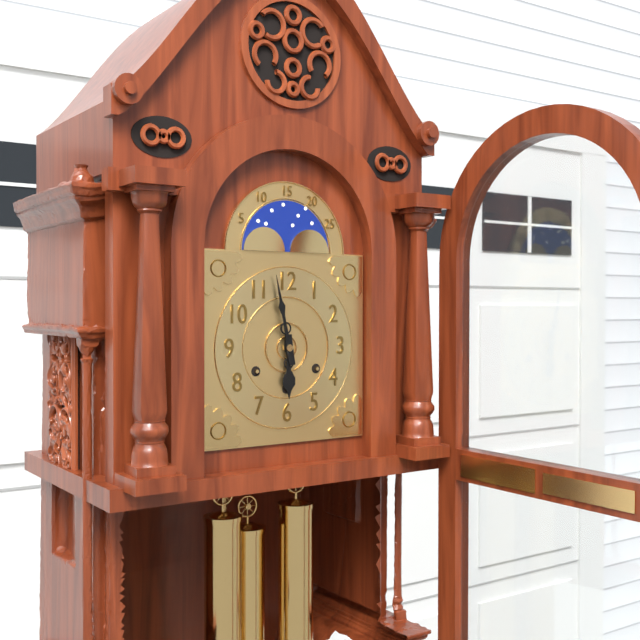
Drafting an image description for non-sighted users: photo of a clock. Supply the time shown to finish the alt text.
5:58
